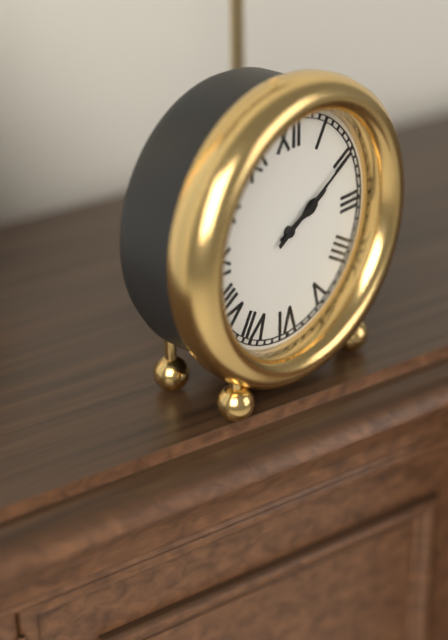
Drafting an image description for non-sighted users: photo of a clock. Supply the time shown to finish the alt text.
2:10
